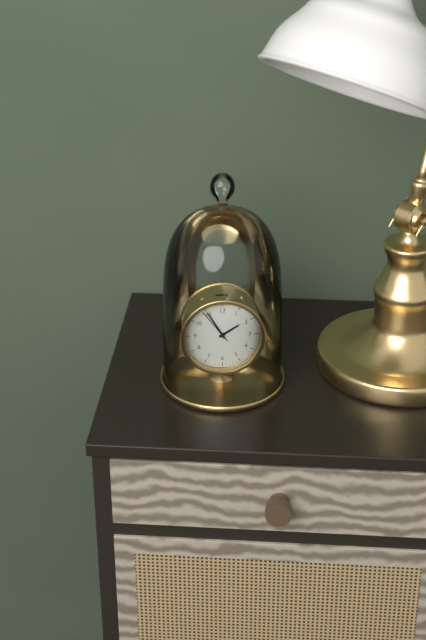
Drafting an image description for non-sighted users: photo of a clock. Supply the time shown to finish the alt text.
1:55
